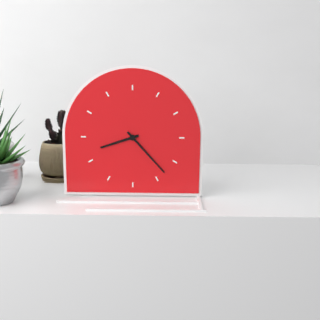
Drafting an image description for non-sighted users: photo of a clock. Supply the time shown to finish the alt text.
8:23
